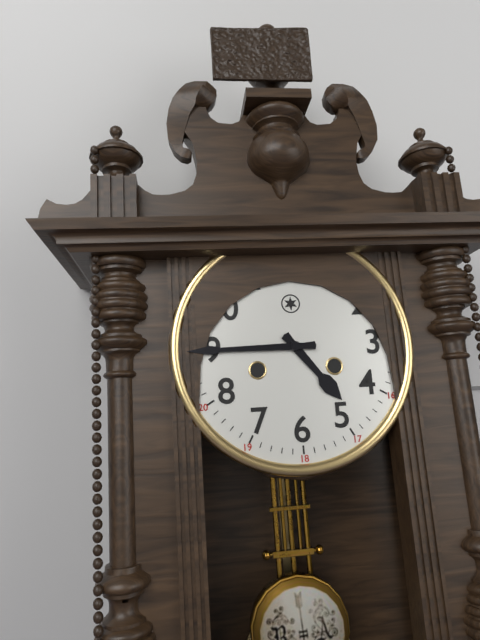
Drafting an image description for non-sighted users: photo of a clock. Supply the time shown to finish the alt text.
4:45
